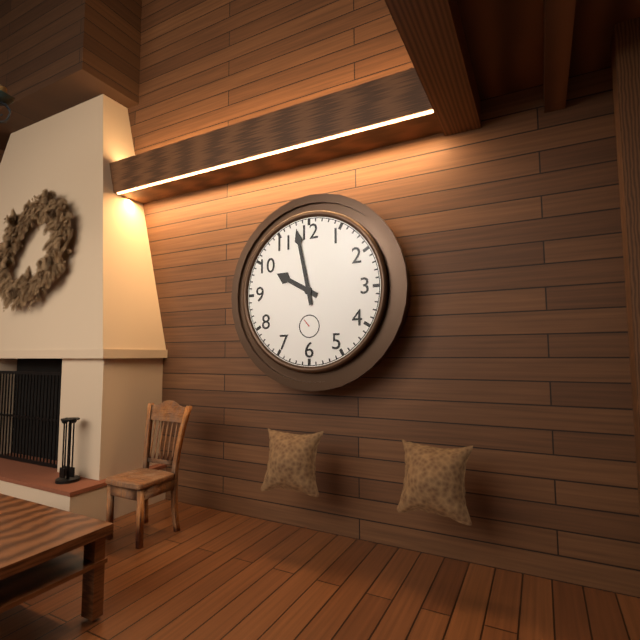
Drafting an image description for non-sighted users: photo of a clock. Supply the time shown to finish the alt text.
9:58
